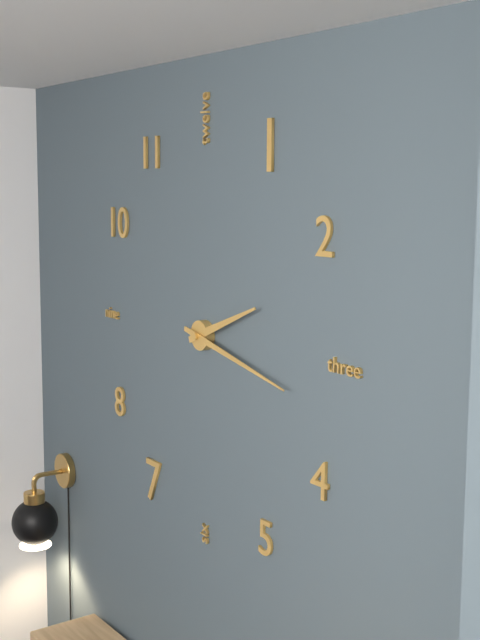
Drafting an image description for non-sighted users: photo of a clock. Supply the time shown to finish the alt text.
2:17
